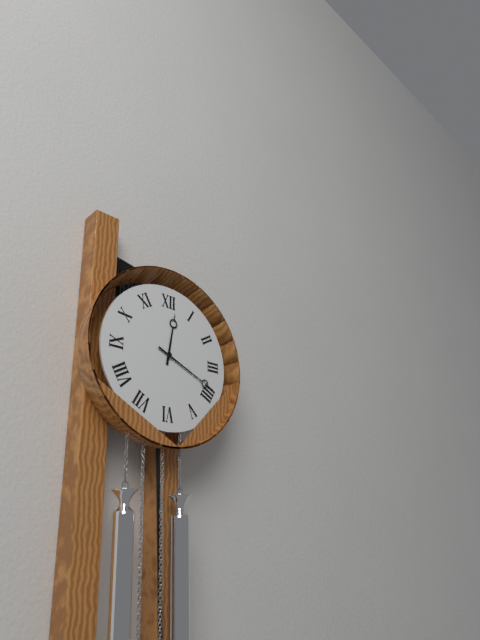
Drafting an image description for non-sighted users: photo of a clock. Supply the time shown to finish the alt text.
12:19
